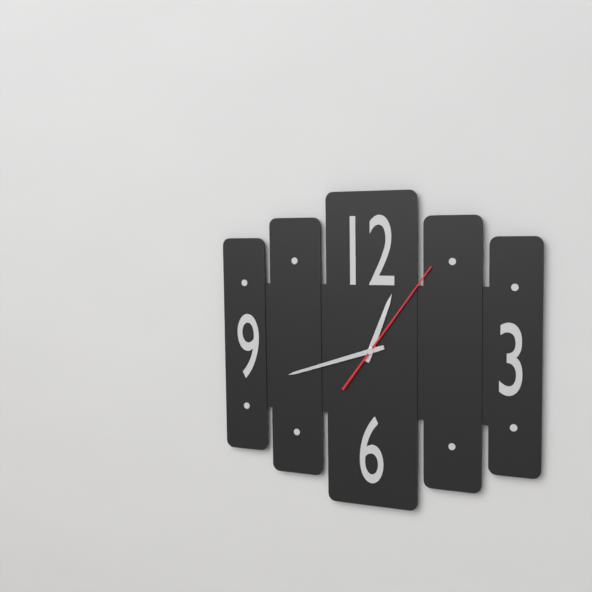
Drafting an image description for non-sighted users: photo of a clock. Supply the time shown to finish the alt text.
12:42:06
